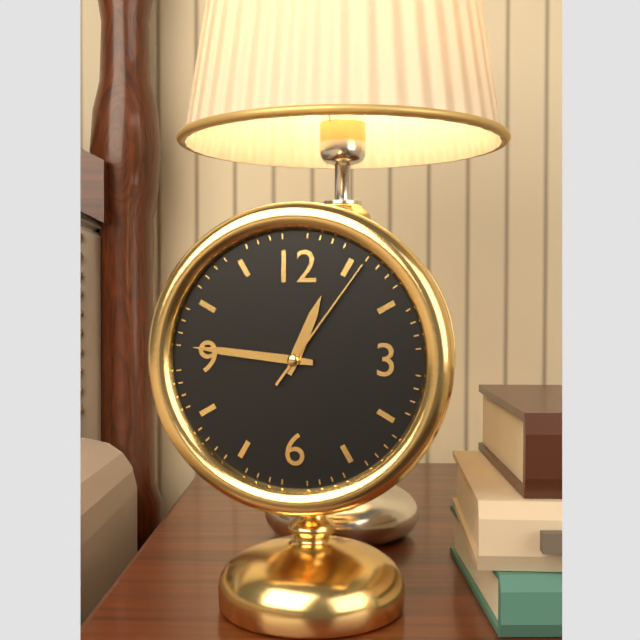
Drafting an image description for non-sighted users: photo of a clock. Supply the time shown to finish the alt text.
12:46:06
